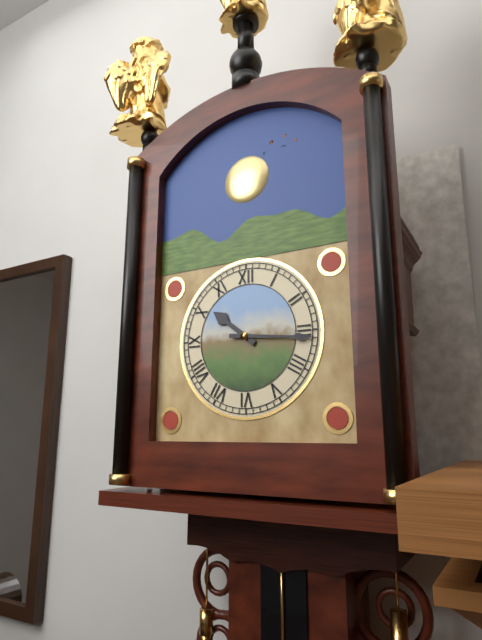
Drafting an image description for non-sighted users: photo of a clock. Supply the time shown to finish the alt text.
10:16
